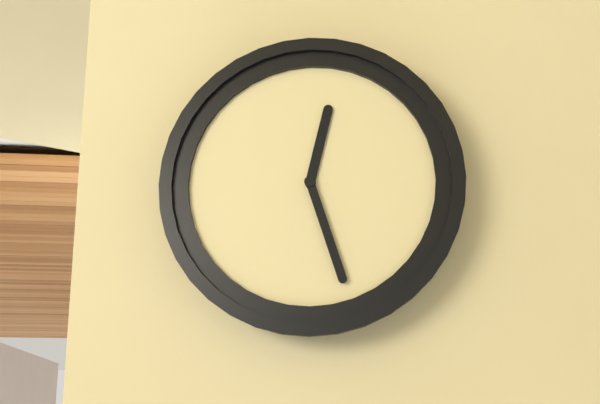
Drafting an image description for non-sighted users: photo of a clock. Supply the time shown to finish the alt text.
12:27
